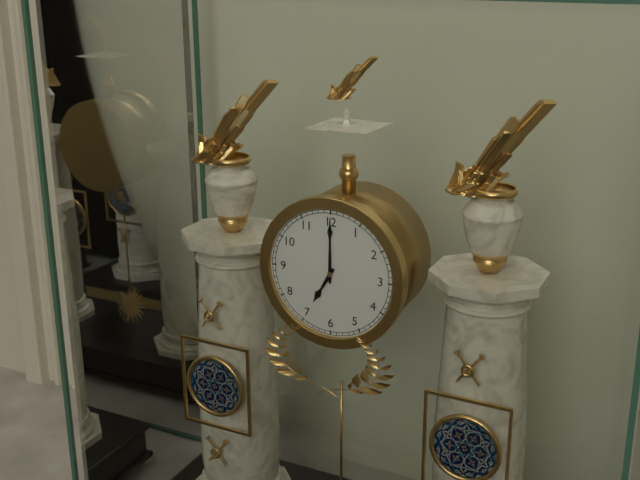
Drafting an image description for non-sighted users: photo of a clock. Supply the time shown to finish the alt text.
7:00
